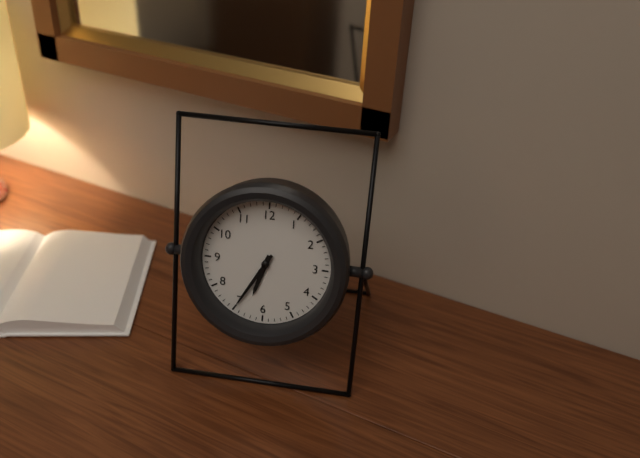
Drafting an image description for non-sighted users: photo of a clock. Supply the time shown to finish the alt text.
6:35
